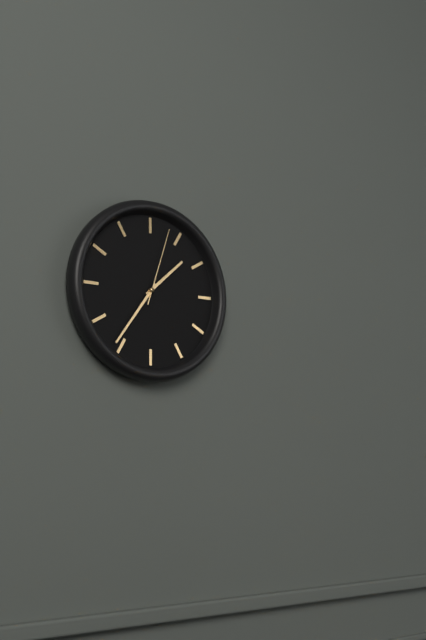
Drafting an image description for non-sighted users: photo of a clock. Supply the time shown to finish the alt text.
1:36:03
